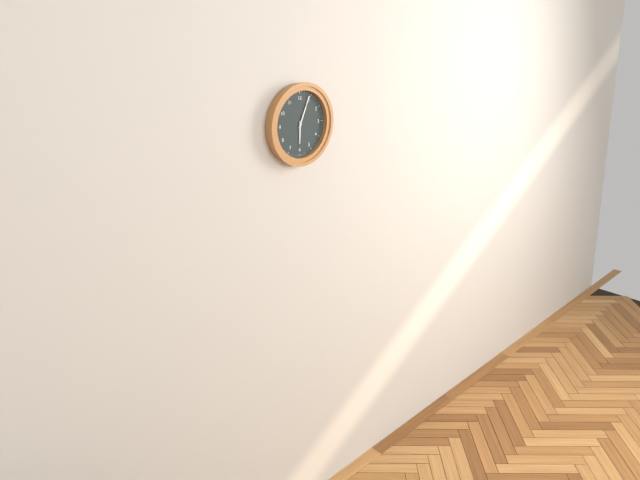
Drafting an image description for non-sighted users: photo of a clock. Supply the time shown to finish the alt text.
6:04
